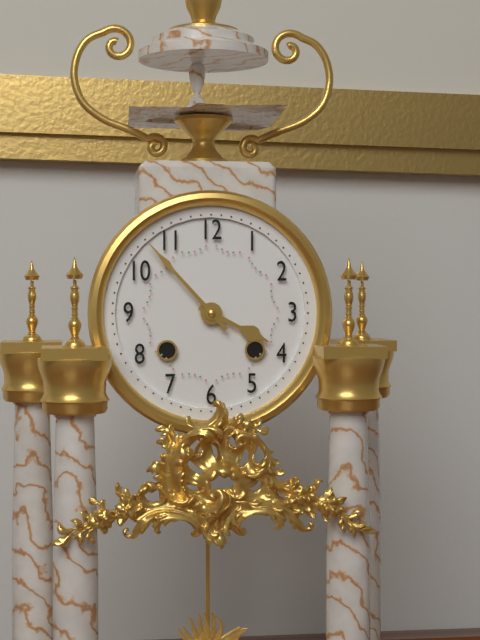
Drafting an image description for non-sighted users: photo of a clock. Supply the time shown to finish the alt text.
3:53
